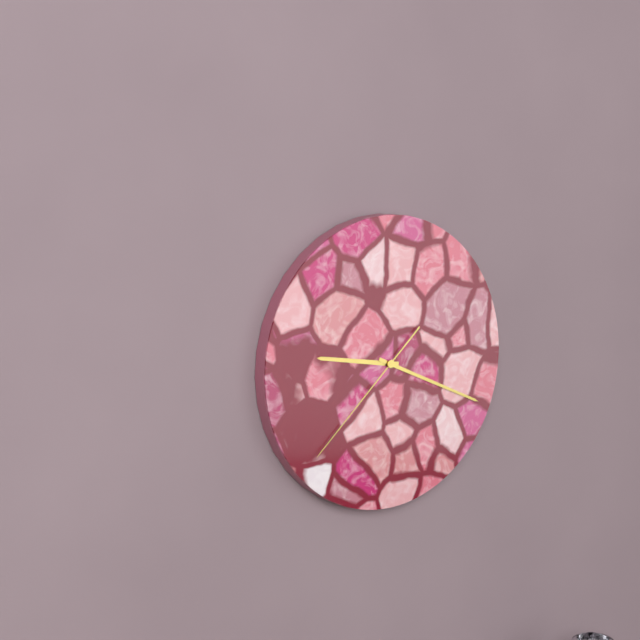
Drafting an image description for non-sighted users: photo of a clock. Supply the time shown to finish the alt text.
9:19:38
